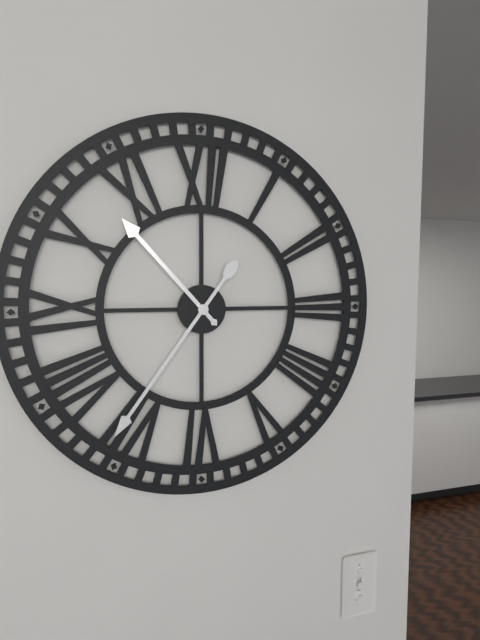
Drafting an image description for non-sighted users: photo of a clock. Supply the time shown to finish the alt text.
10:36
